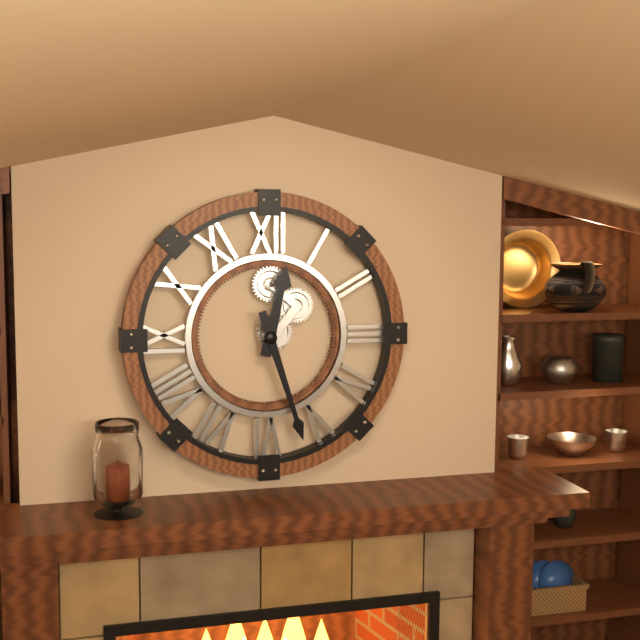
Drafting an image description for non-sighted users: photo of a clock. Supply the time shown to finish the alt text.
12:27
